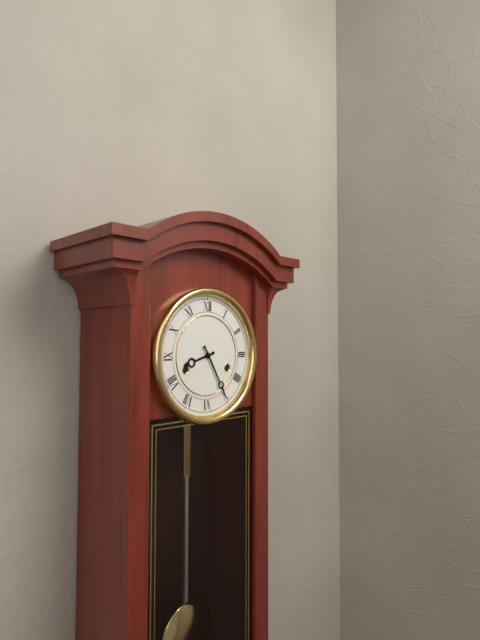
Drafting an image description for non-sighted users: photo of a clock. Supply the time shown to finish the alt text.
8:25
